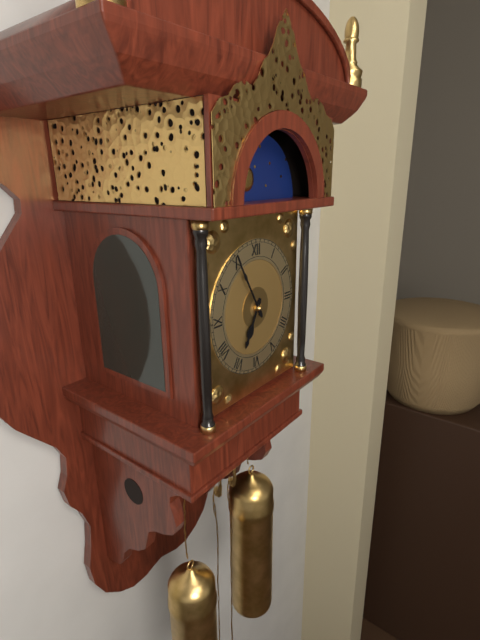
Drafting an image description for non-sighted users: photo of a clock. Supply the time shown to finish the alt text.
6:55
